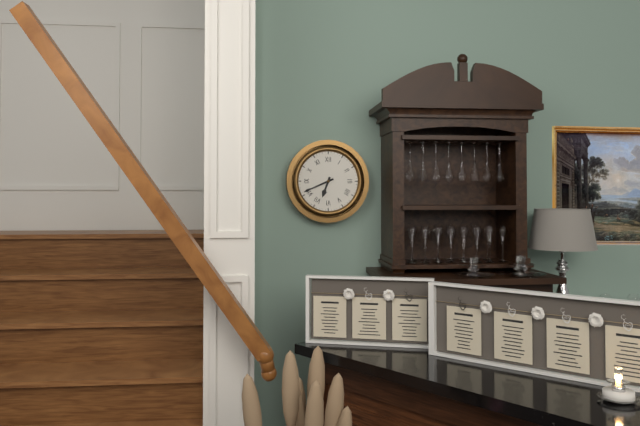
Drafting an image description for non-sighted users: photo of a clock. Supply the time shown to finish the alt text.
6:41
